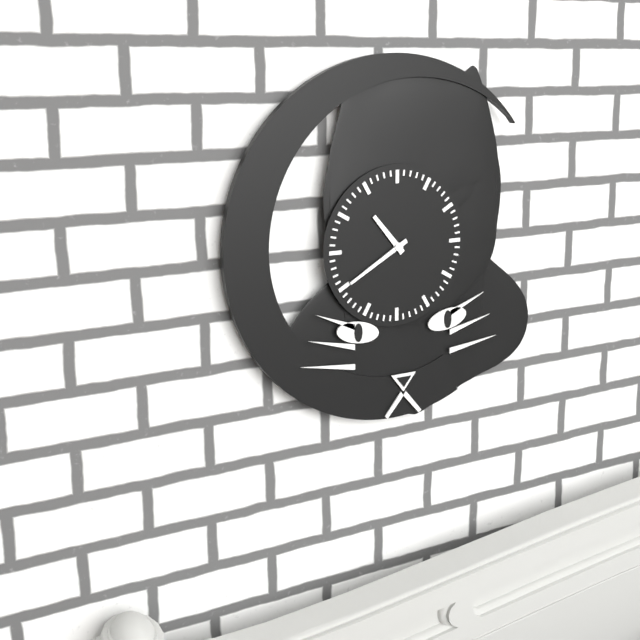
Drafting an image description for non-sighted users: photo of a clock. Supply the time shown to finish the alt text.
10:40
